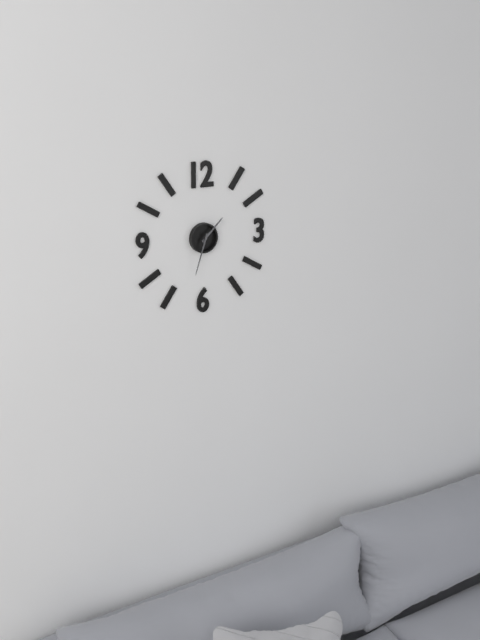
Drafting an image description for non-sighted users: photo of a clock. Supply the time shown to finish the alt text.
1:33
